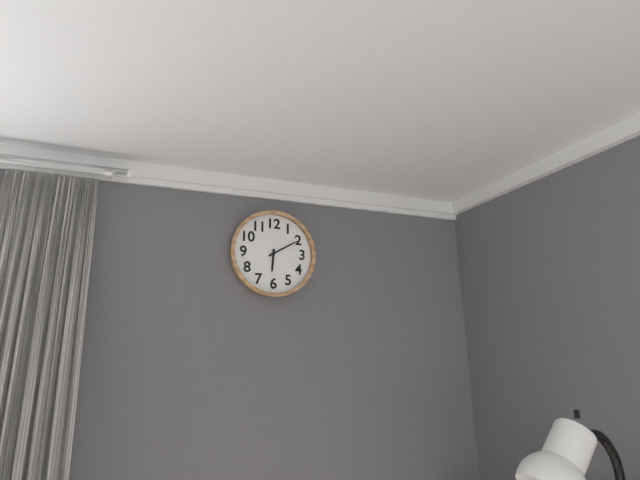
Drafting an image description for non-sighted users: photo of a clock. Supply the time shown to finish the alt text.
6:10
